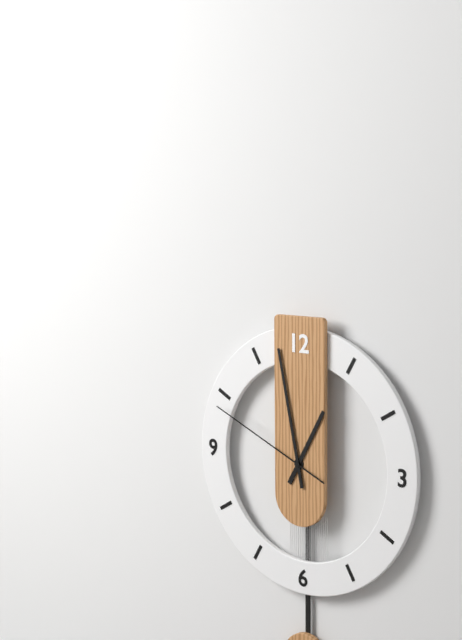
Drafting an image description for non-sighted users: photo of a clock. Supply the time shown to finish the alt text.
12:58:49
